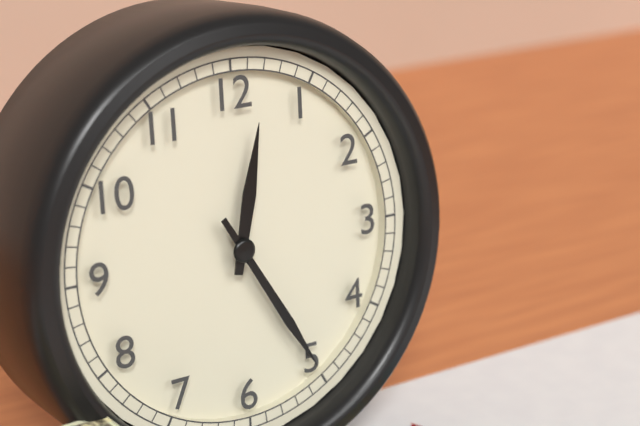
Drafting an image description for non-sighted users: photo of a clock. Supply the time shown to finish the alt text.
12:25
